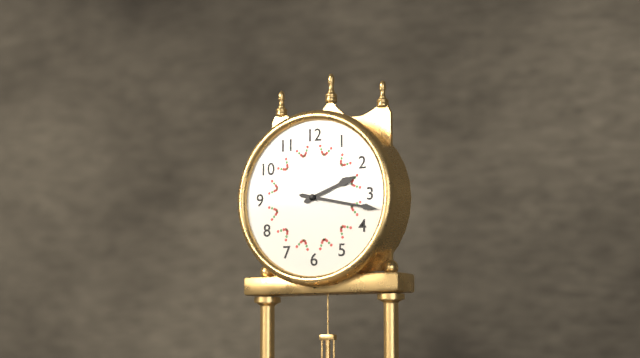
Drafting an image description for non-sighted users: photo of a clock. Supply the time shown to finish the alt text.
2:17
